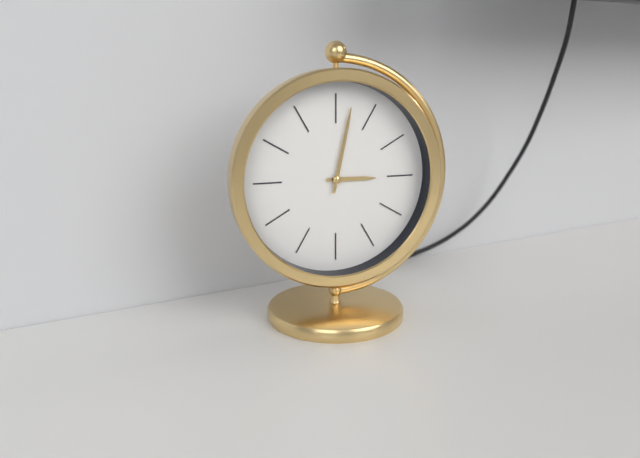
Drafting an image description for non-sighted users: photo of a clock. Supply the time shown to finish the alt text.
3:02
